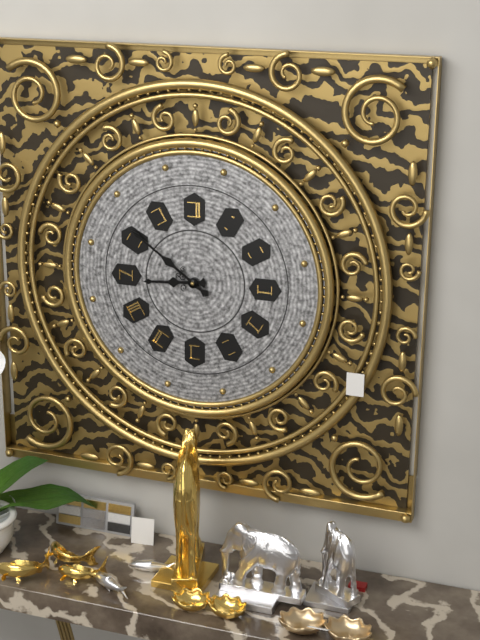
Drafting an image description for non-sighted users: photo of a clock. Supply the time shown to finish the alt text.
8:51
